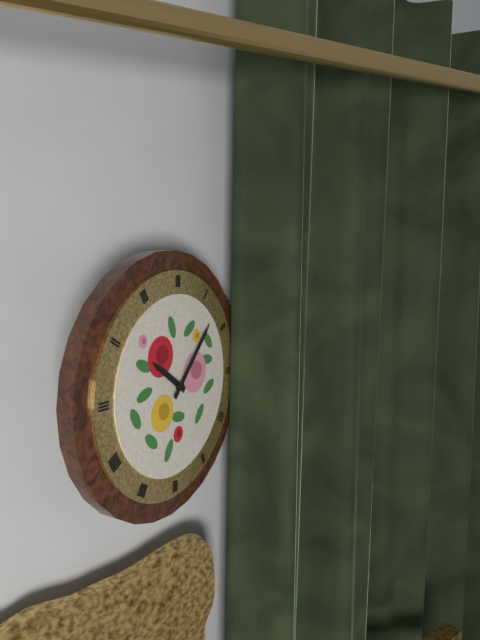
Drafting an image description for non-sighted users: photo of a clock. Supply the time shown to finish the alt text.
10:07
